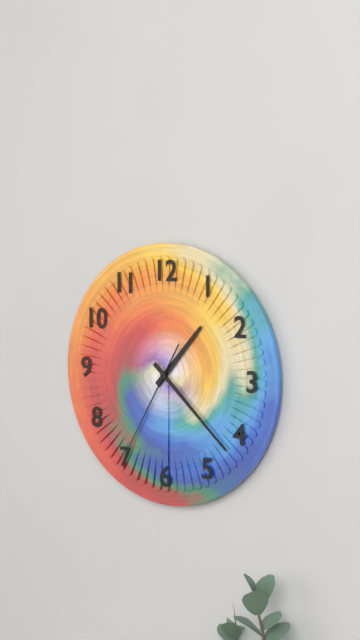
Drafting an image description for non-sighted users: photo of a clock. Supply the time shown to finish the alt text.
1:22:35
